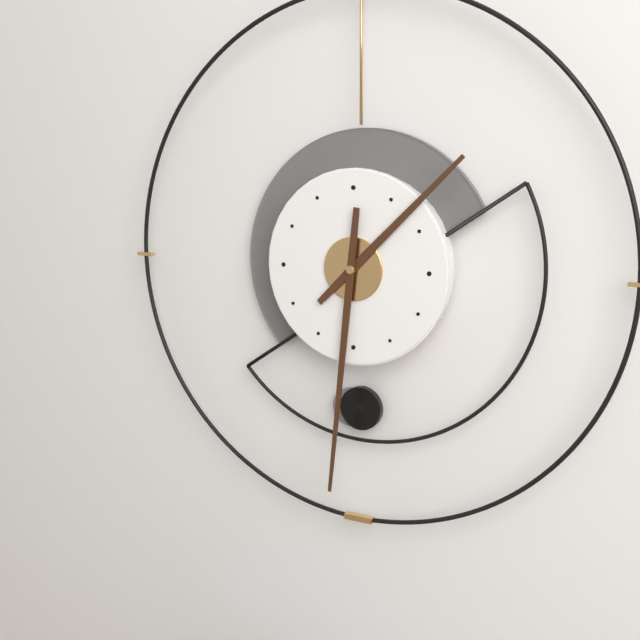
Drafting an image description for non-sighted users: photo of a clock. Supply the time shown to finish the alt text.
1:31
